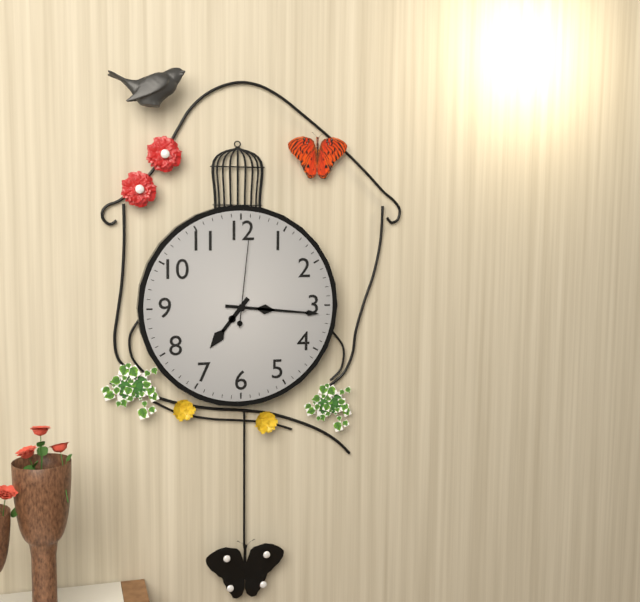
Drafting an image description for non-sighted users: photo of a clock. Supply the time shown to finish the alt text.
7:16:01
